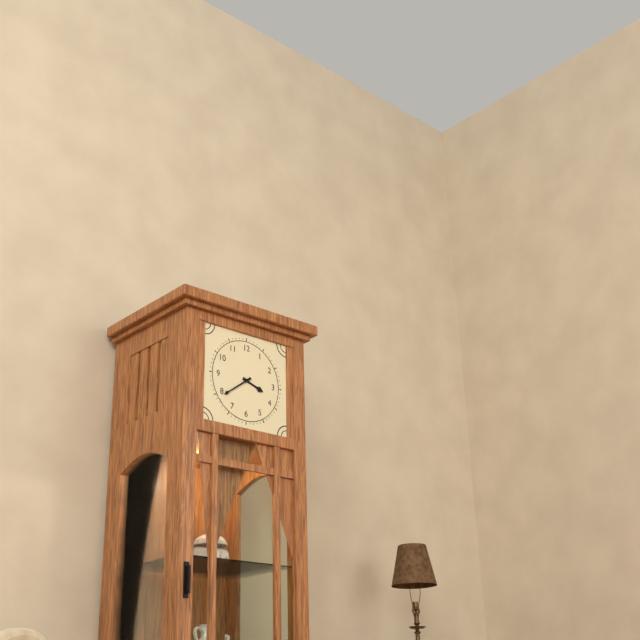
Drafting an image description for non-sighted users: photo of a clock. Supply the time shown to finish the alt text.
3:39
